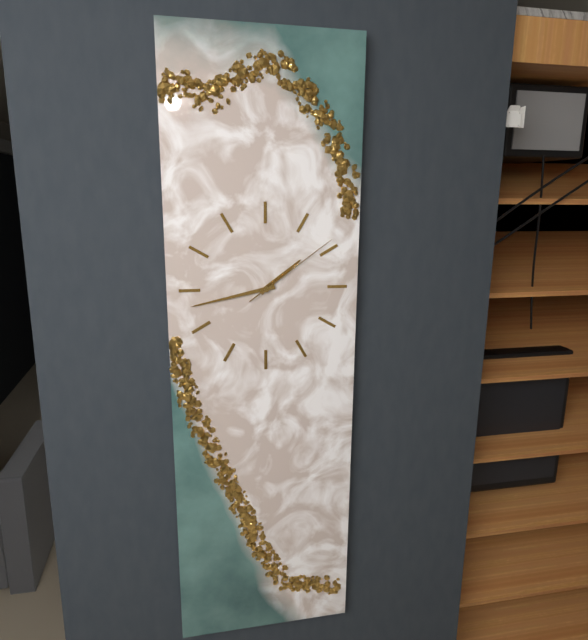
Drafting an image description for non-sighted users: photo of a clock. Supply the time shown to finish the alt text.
1:43:09
